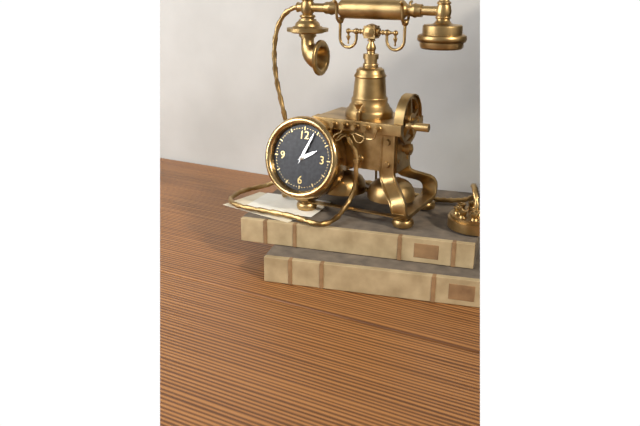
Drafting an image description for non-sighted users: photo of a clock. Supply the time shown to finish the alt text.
2:04
